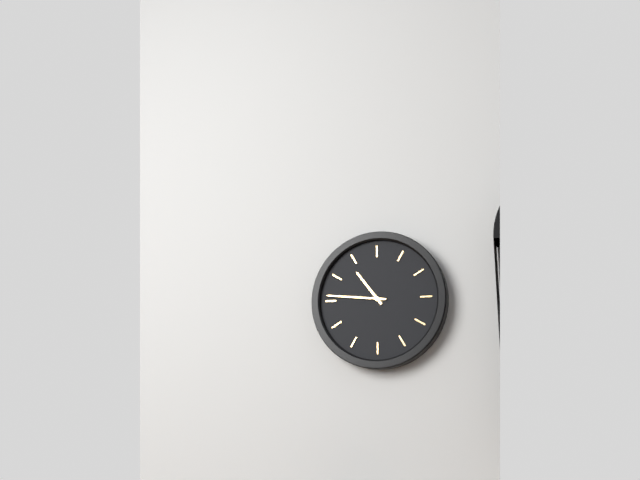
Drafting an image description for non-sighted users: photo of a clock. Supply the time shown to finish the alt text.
10:46
